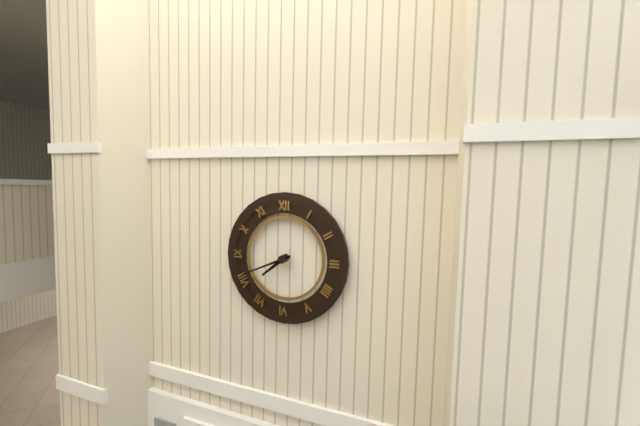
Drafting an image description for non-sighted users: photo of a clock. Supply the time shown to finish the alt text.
7:41
